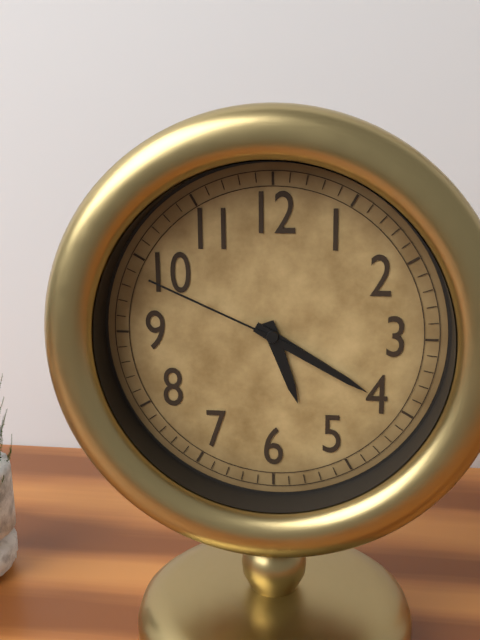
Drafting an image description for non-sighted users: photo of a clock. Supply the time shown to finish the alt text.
5:20:49
